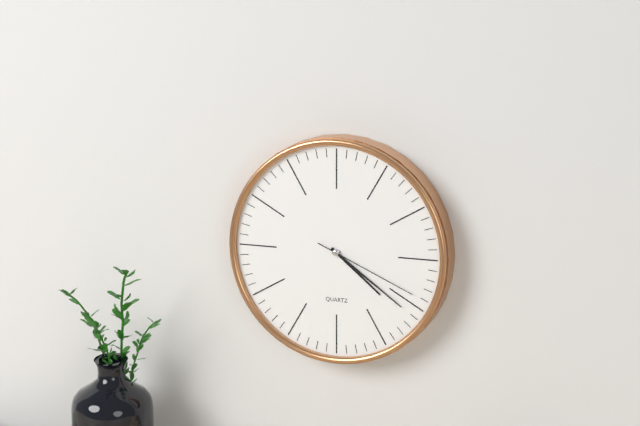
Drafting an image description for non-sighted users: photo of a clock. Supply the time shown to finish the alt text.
4:21:19
